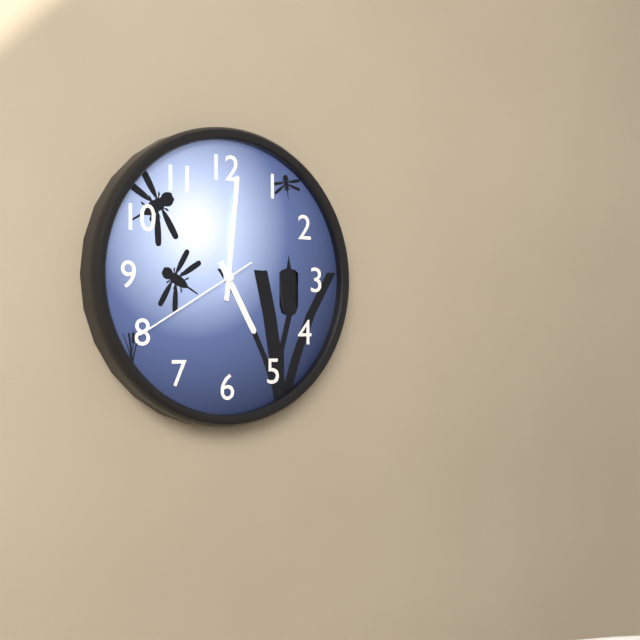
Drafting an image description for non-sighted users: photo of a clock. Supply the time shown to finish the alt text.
5:01:40
